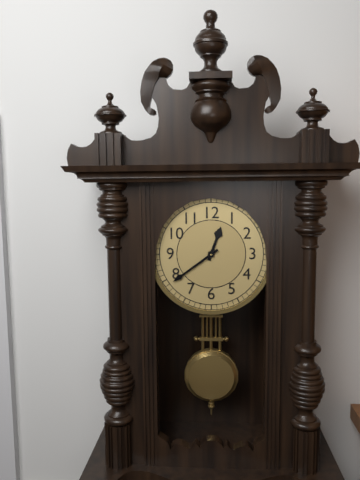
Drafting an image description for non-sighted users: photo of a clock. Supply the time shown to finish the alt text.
12:39
